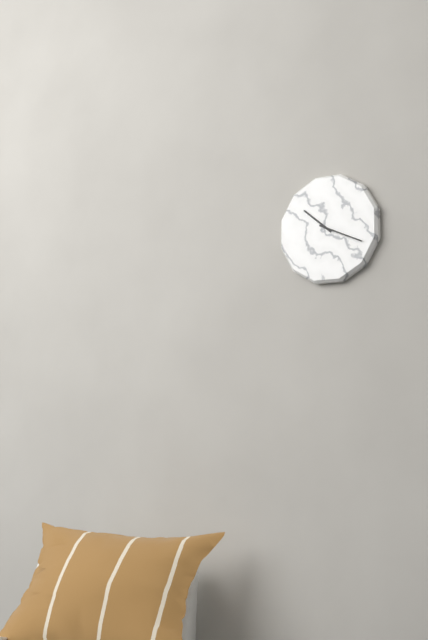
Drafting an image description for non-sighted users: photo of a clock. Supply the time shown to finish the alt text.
10:19
